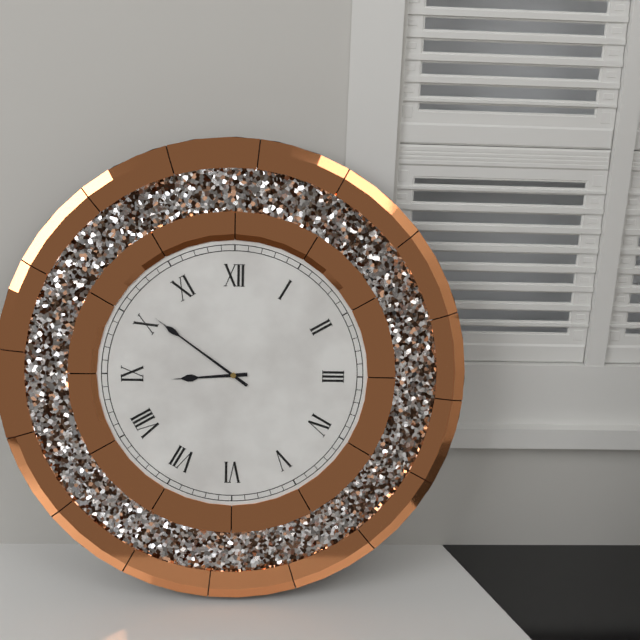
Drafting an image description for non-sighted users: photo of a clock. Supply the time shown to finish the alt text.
8:51
